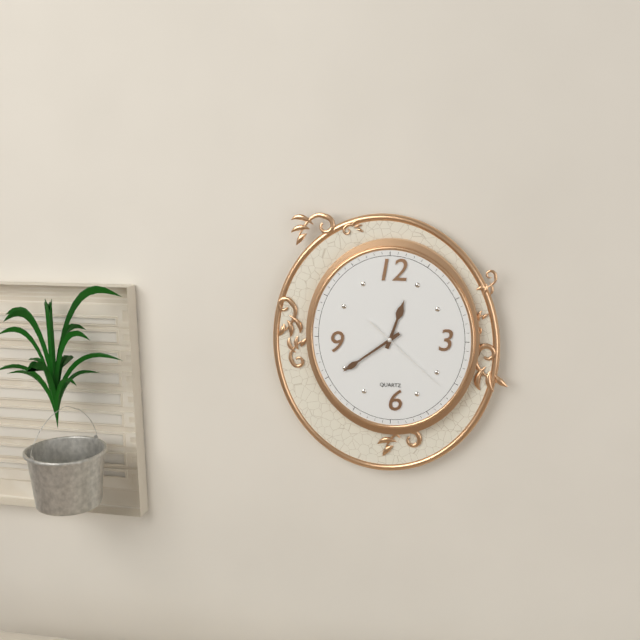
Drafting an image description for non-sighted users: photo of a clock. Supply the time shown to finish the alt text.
12:39:22
